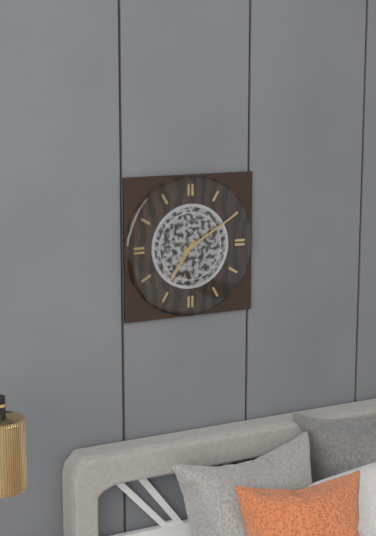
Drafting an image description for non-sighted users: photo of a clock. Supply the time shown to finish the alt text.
7:10
